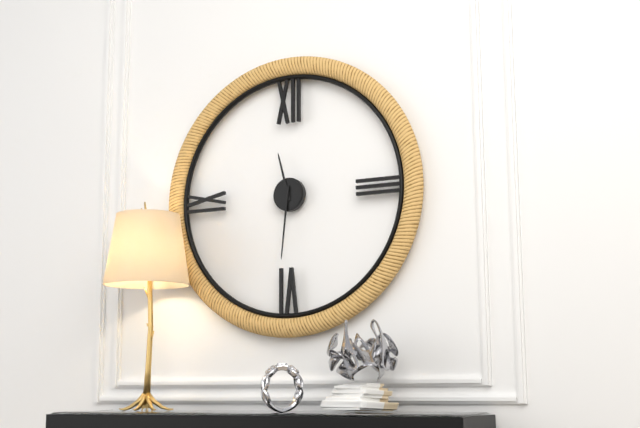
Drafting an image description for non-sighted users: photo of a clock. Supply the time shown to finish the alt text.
11:31
